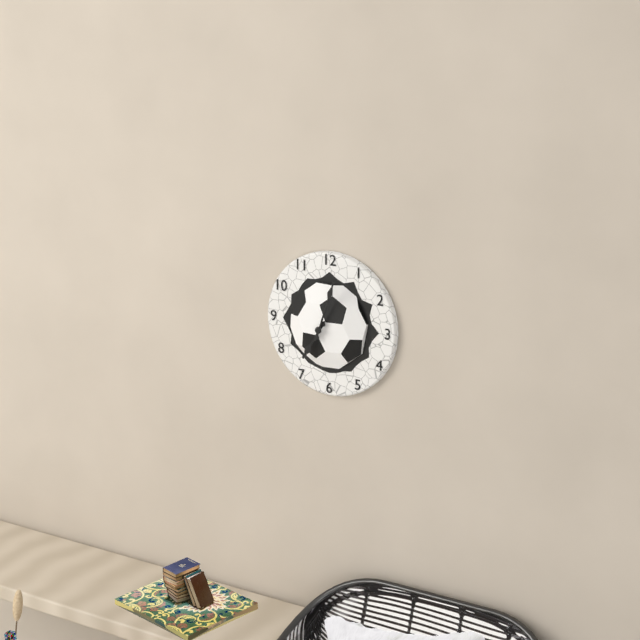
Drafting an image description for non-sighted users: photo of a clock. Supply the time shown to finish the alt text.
7:03
